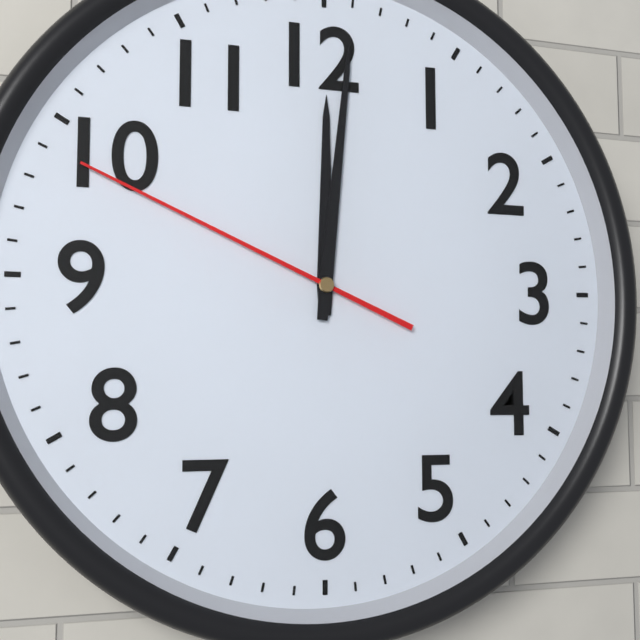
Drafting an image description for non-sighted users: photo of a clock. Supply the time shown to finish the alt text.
12:01:49
